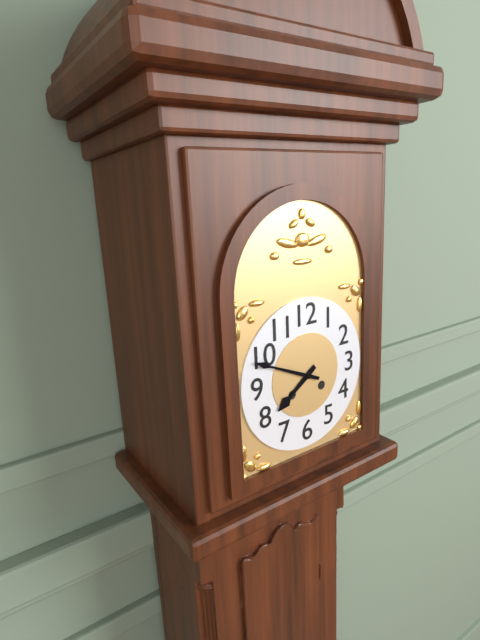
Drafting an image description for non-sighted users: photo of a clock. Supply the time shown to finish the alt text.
7:49
